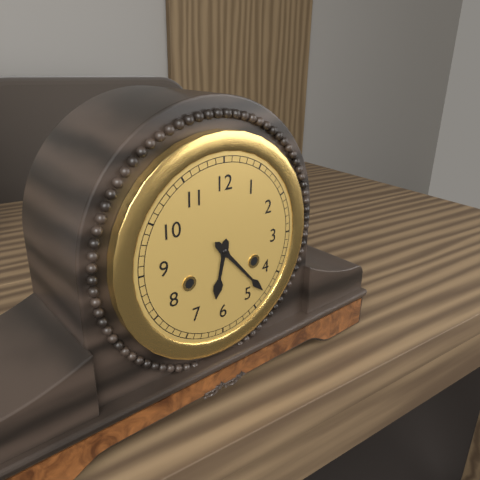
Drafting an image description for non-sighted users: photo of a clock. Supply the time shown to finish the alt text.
6:23
